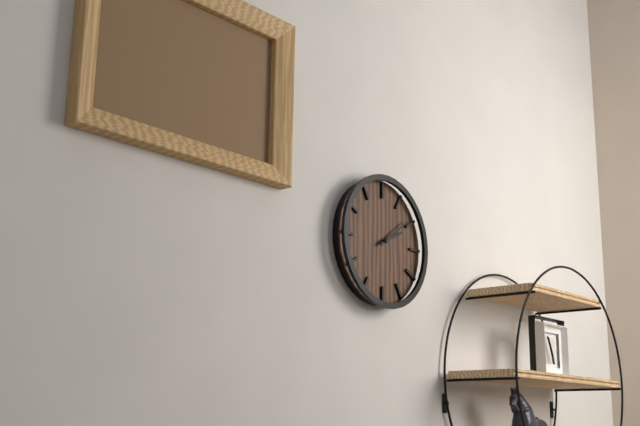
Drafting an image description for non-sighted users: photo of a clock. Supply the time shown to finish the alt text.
2:09
